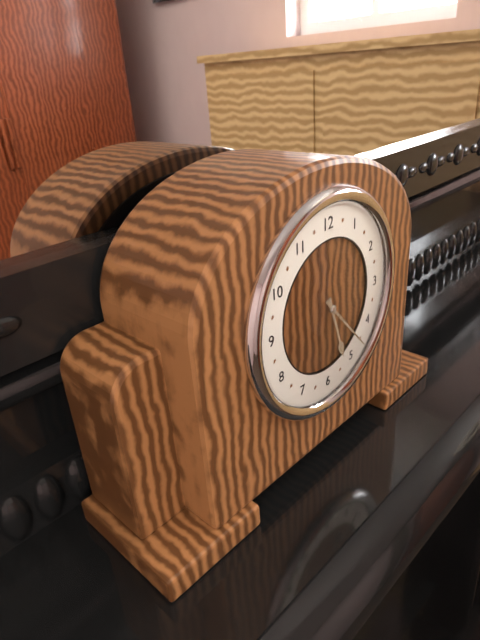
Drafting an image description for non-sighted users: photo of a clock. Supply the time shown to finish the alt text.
5:23
